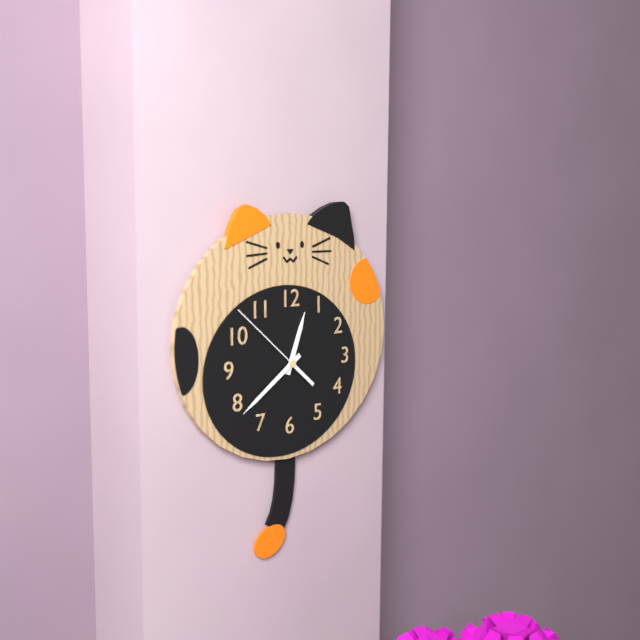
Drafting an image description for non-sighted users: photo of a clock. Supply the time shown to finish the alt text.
12:39:52
